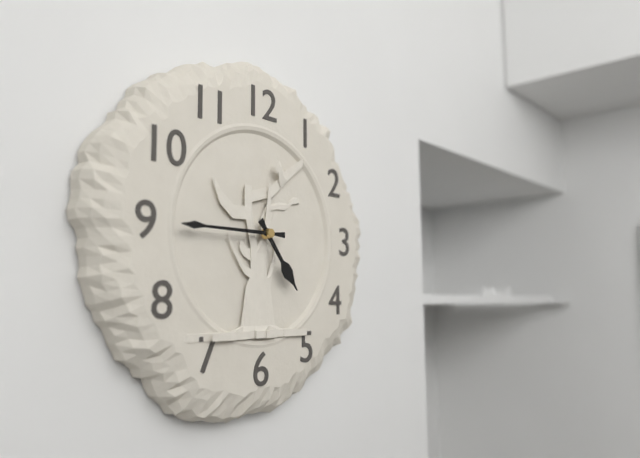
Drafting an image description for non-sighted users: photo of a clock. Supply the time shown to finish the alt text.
4:45
